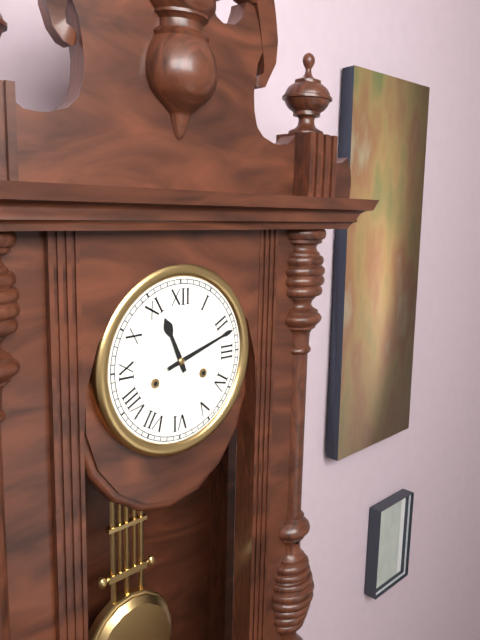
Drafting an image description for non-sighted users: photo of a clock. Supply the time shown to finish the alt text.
11:12
